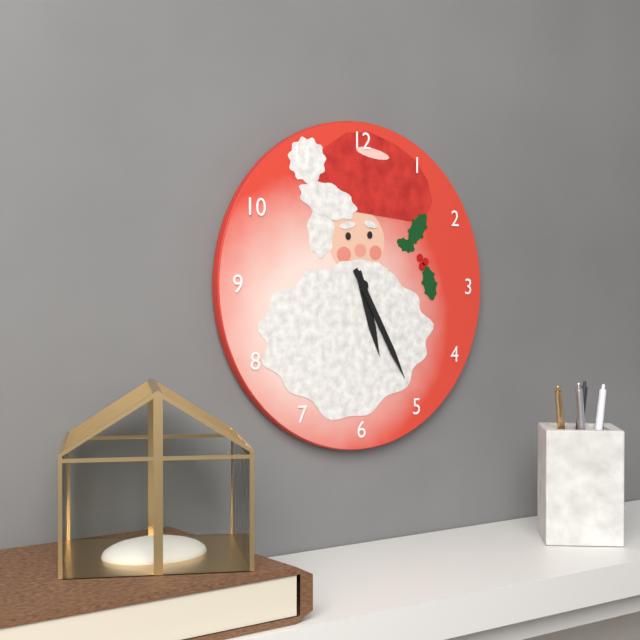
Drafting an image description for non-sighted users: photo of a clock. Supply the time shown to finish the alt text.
5:25
